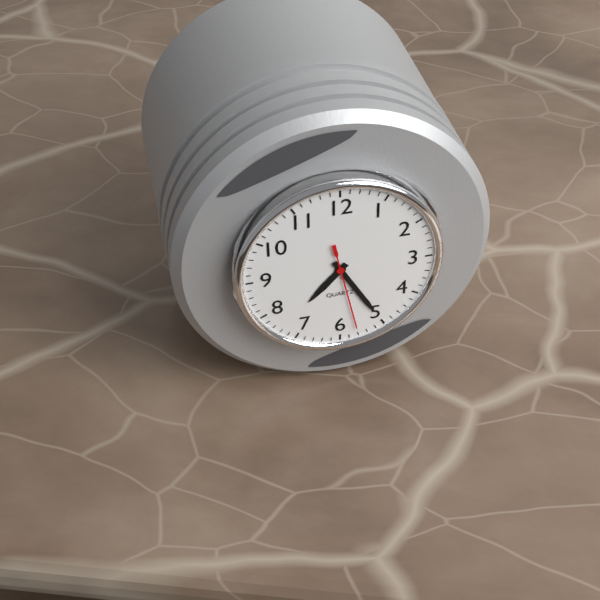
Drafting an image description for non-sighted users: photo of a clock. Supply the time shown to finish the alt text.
7:25:28
